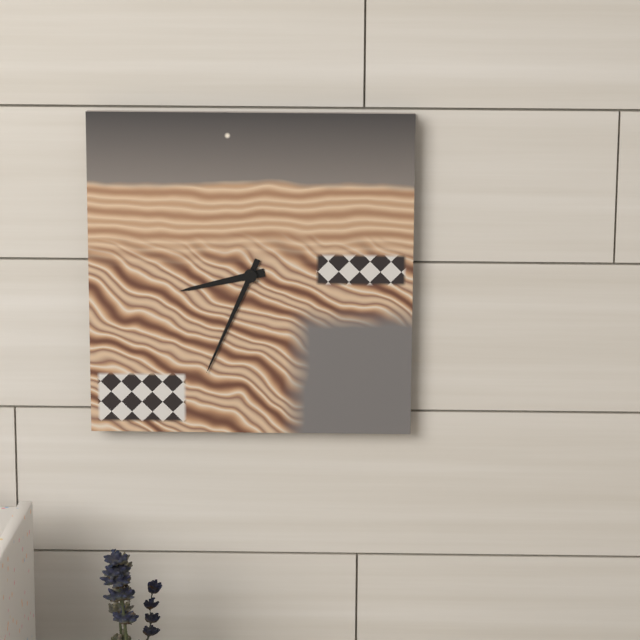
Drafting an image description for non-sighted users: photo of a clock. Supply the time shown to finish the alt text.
8:34
